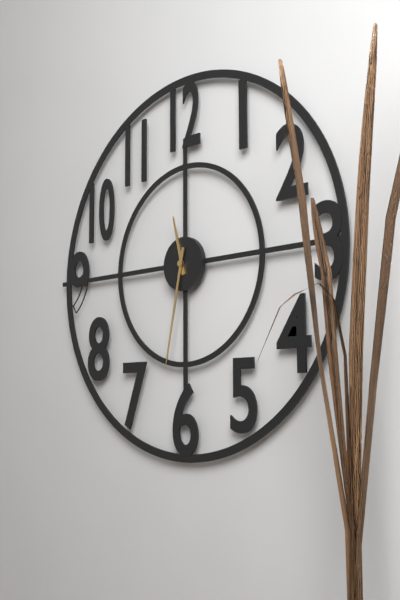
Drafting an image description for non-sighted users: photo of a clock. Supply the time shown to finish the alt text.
11:32
